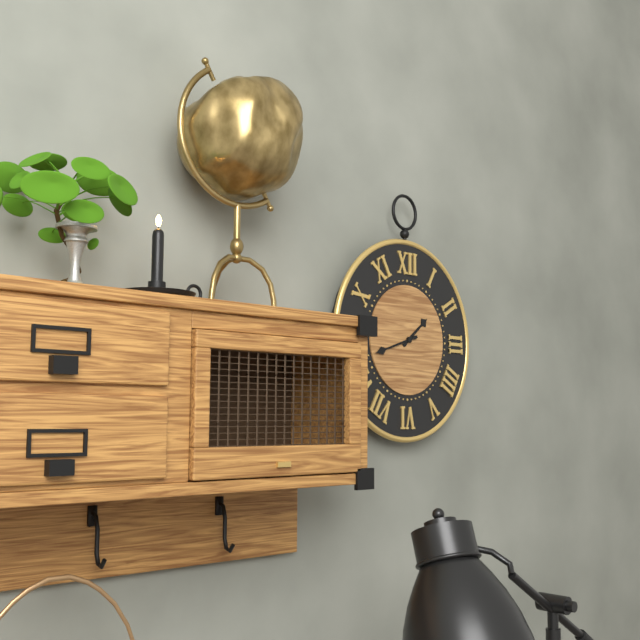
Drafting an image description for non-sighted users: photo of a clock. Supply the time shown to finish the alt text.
1:42
